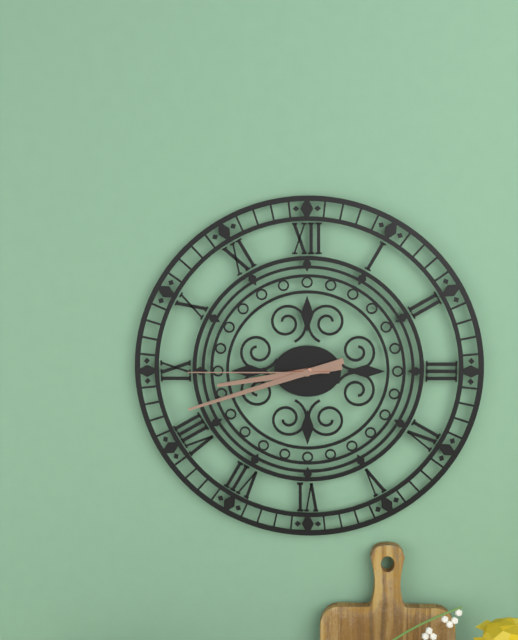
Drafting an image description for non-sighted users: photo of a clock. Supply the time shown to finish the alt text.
8:42:45
